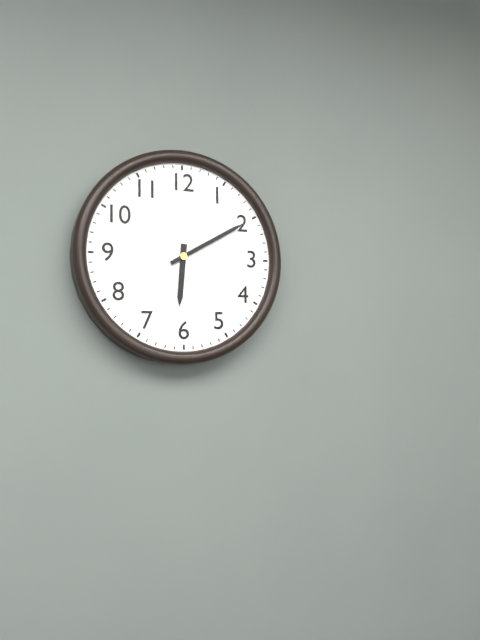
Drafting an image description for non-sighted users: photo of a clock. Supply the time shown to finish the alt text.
6:10
